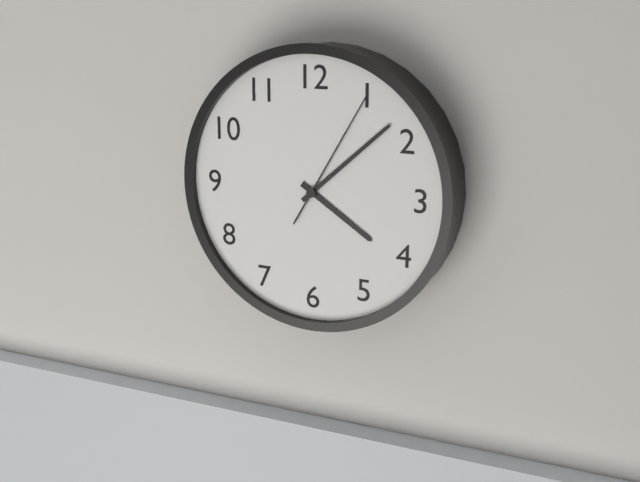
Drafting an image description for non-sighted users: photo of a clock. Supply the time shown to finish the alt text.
4:08:05
